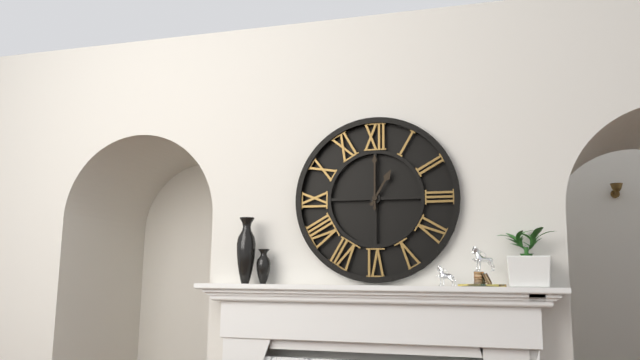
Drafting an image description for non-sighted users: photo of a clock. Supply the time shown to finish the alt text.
1:00
